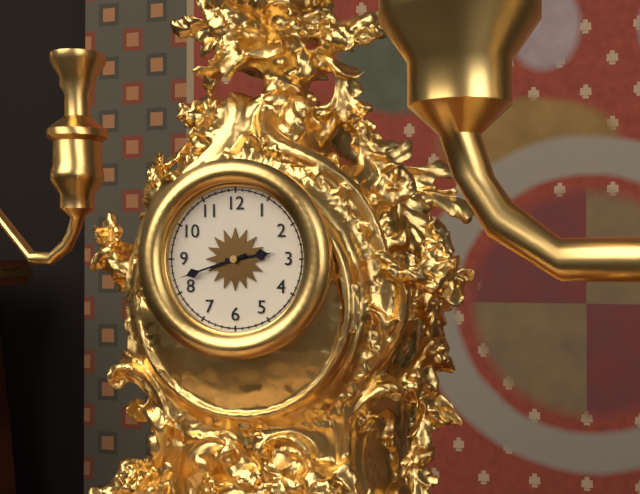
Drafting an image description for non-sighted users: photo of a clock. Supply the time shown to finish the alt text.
2:42
